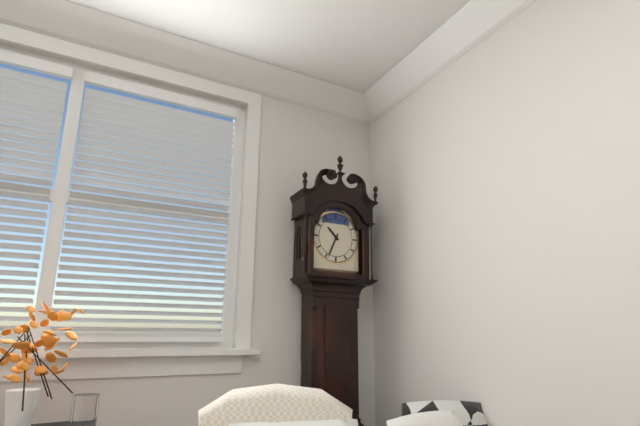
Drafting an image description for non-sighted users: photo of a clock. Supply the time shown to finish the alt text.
10:34
